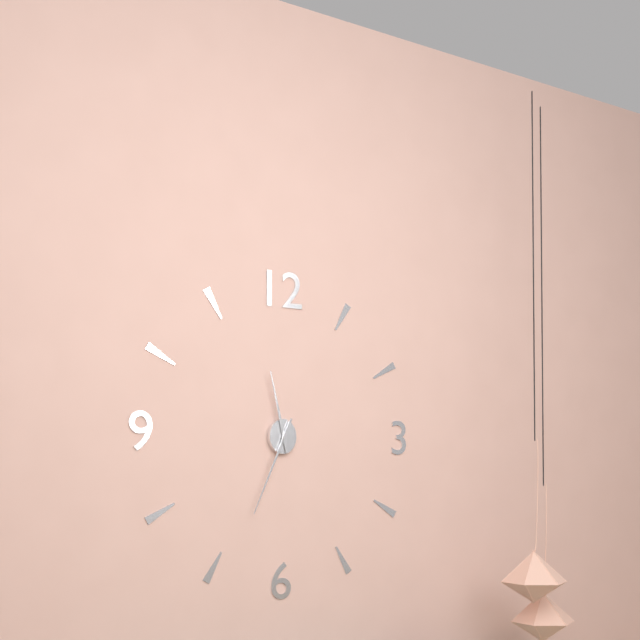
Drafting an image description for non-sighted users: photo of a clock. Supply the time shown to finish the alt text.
11:34
